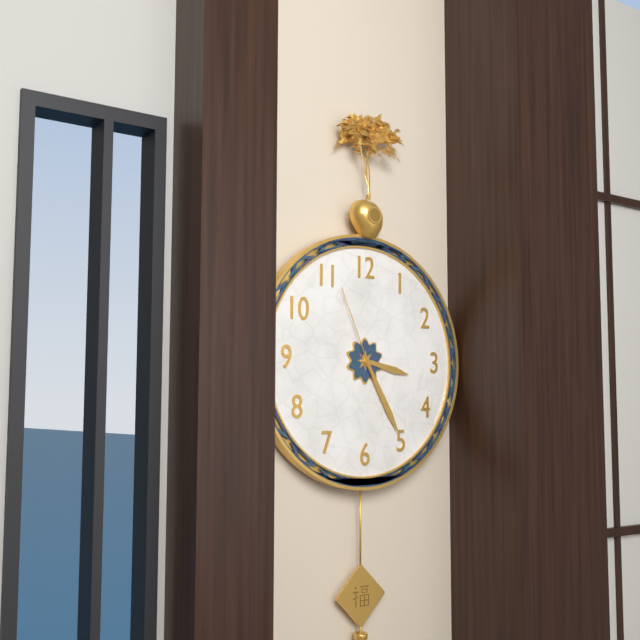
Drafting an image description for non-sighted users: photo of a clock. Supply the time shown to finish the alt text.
3:25:56
